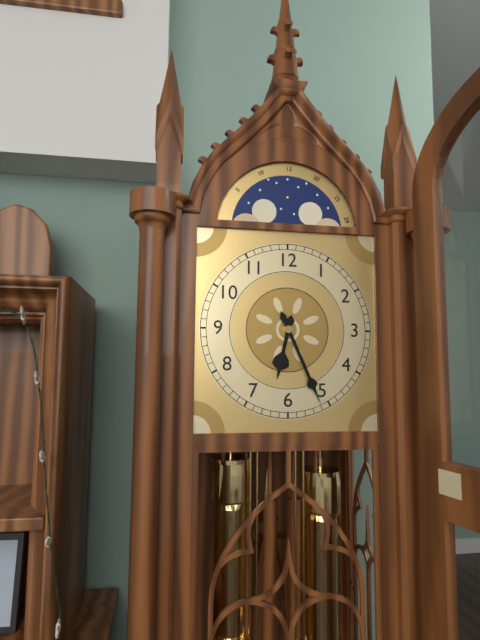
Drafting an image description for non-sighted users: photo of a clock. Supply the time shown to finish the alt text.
6:26
